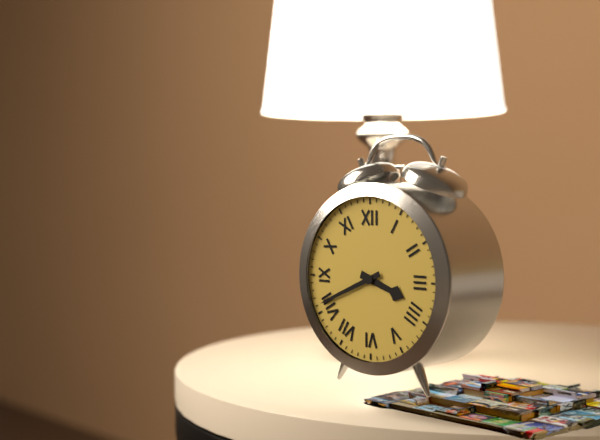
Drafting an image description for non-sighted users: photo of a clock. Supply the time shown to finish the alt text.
3:41
